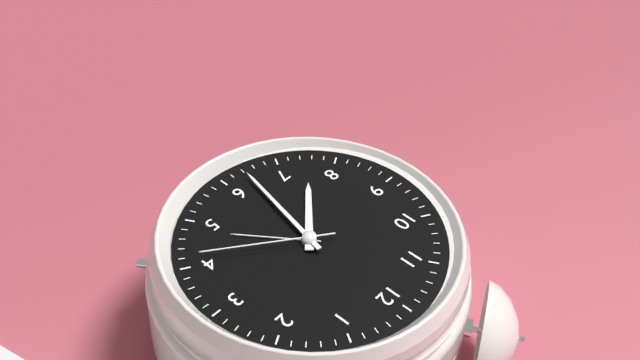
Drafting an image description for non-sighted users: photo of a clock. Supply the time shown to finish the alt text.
7:32:21
